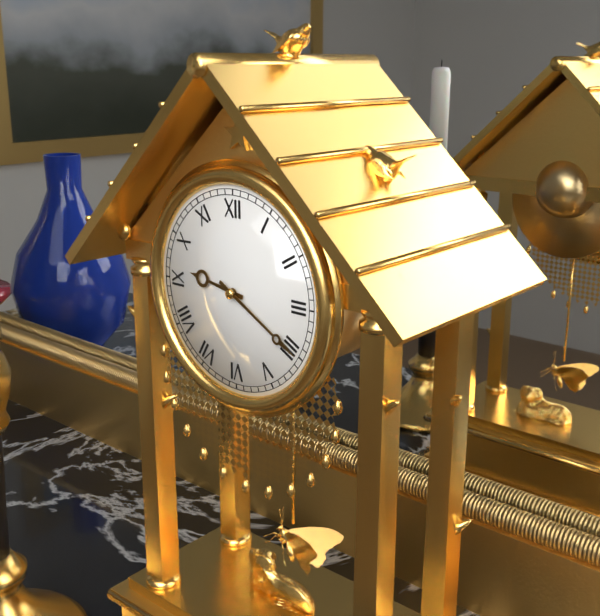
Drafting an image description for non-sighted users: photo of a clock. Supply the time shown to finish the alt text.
9:20
